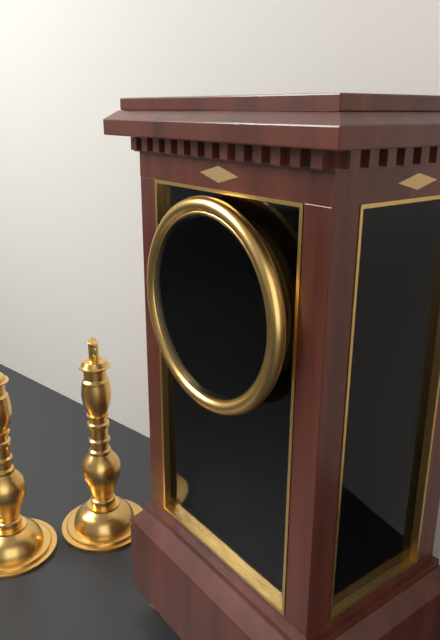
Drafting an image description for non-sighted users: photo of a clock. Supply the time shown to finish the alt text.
11:09
